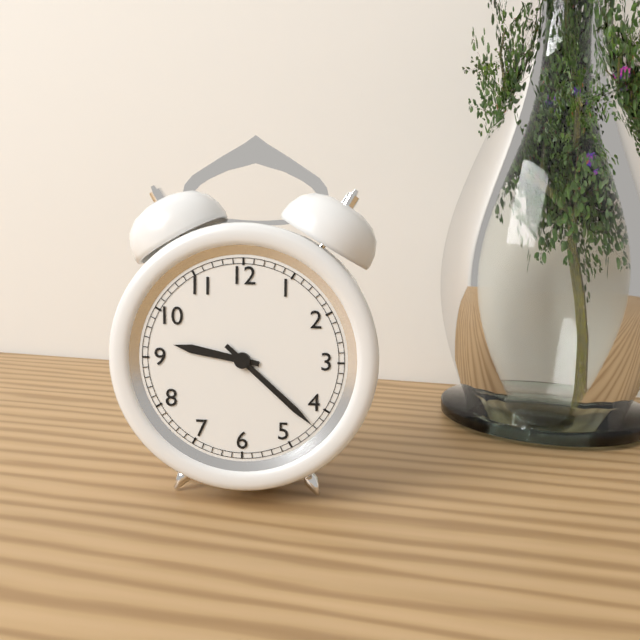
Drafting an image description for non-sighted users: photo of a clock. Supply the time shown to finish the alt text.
9:22
